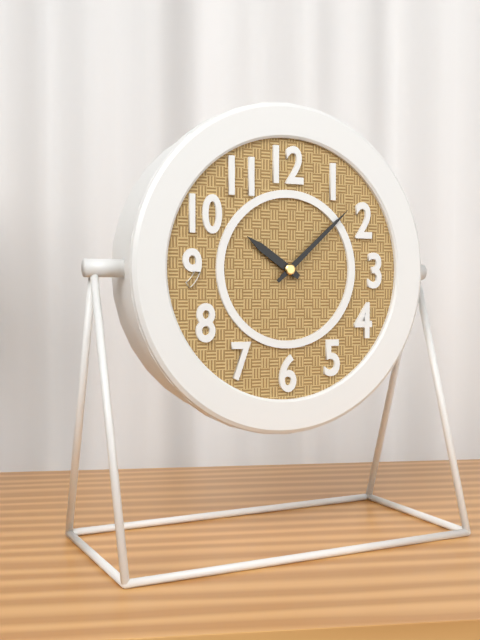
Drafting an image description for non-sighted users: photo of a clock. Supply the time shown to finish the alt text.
10:08
